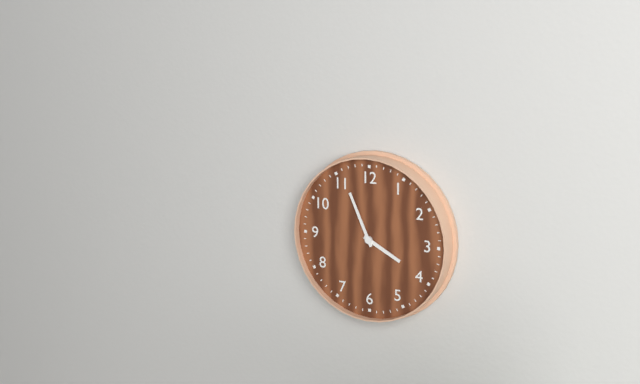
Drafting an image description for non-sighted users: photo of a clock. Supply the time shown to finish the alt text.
3:56
